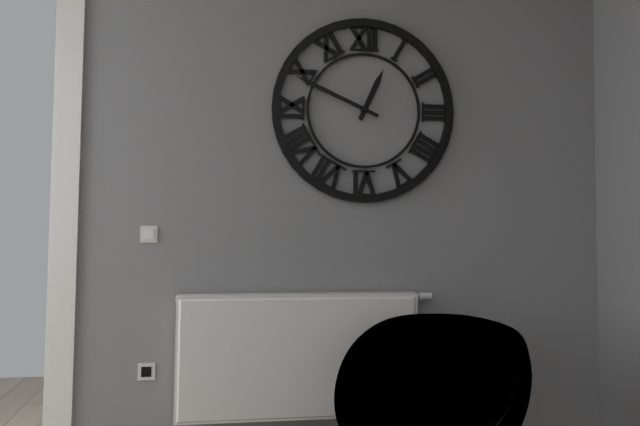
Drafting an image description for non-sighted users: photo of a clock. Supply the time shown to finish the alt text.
12:49
